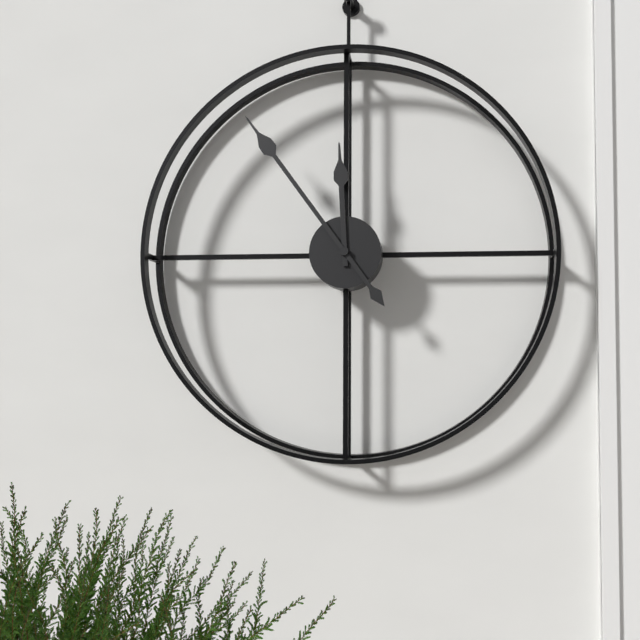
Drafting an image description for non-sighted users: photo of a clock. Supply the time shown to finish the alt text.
11:54
